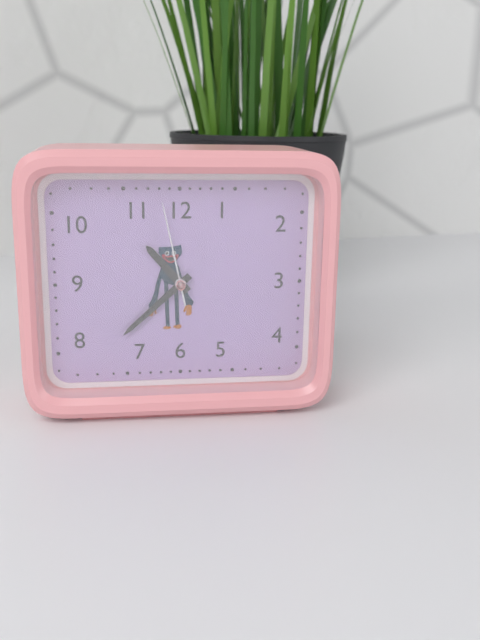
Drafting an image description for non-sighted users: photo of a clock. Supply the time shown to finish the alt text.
10:38:58
